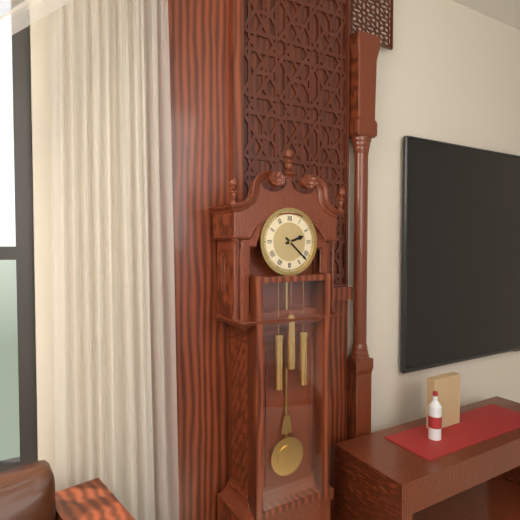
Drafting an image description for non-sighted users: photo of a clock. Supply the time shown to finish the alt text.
2:22
